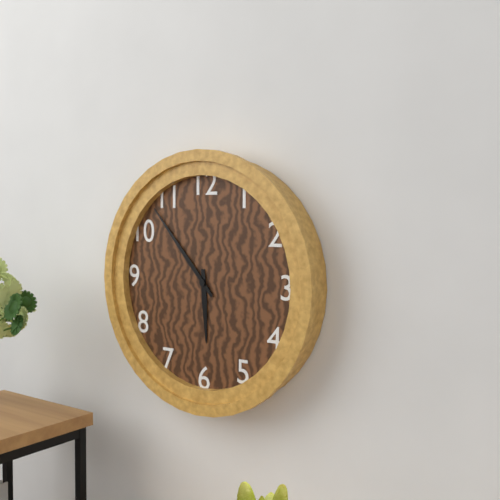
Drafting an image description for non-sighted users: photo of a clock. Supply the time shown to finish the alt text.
5:53
